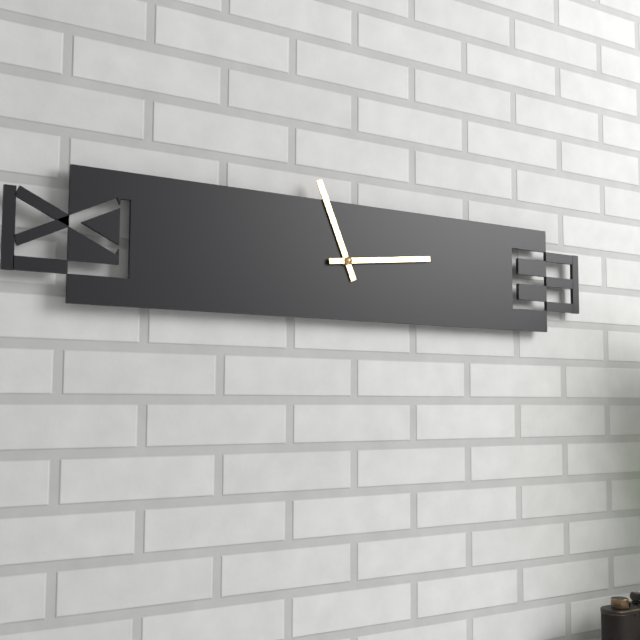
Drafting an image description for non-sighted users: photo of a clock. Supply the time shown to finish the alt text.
11:14
